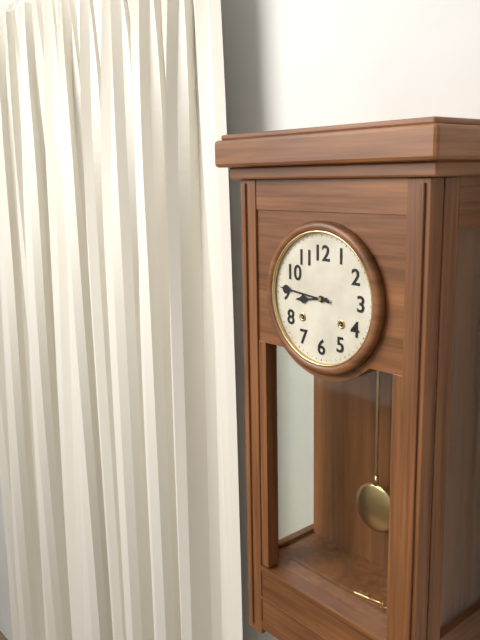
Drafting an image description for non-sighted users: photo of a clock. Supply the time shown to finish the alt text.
8:46
